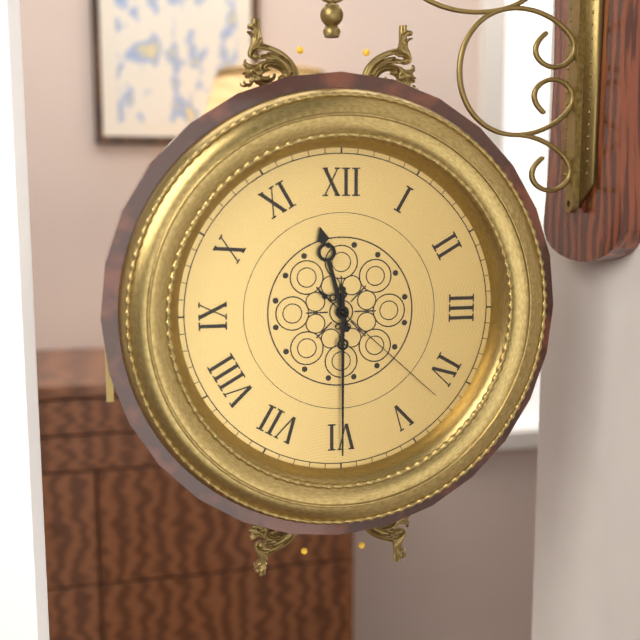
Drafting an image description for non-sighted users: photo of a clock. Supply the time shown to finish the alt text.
11:30:22
